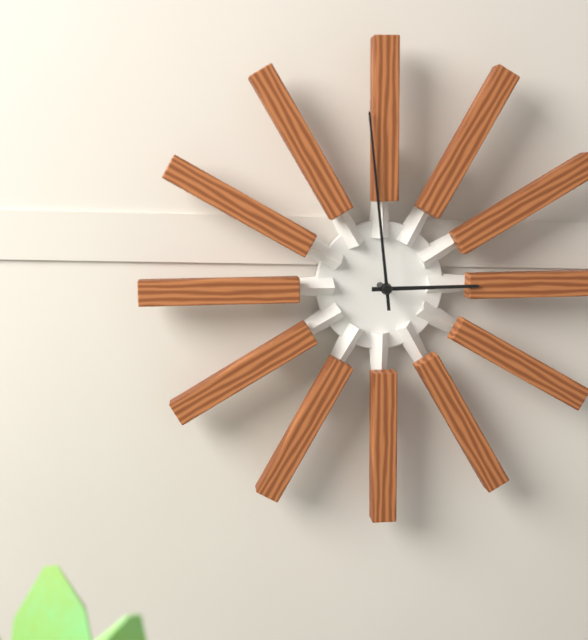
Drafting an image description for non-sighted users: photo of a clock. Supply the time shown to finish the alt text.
2:59
